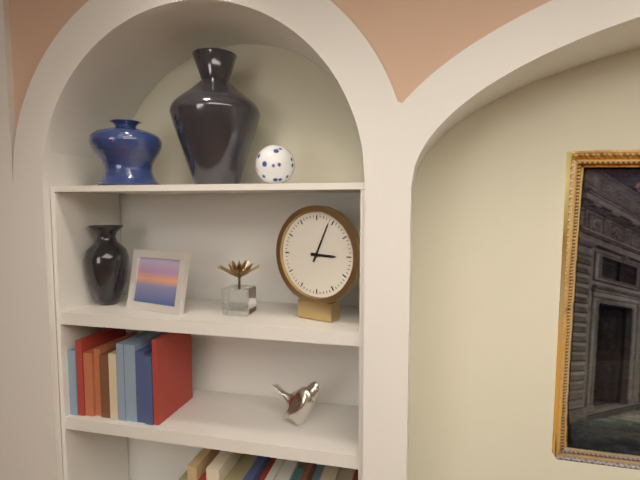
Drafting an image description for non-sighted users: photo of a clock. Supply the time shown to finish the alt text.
3:04
